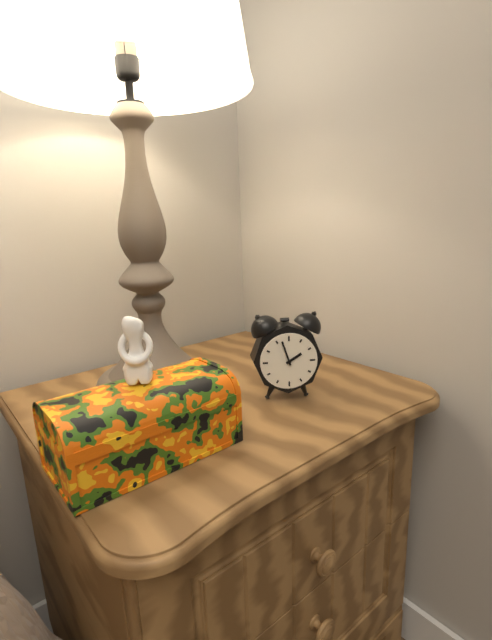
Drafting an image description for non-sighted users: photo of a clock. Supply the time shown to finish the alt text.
1:57
